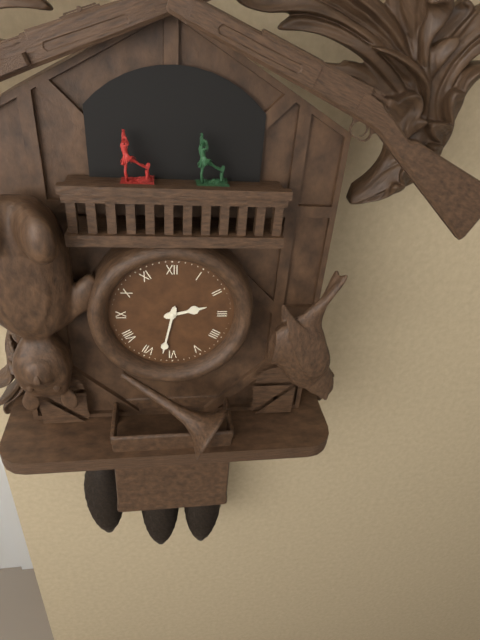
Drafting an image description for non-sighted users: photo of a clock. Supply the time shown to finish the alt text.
2:32
